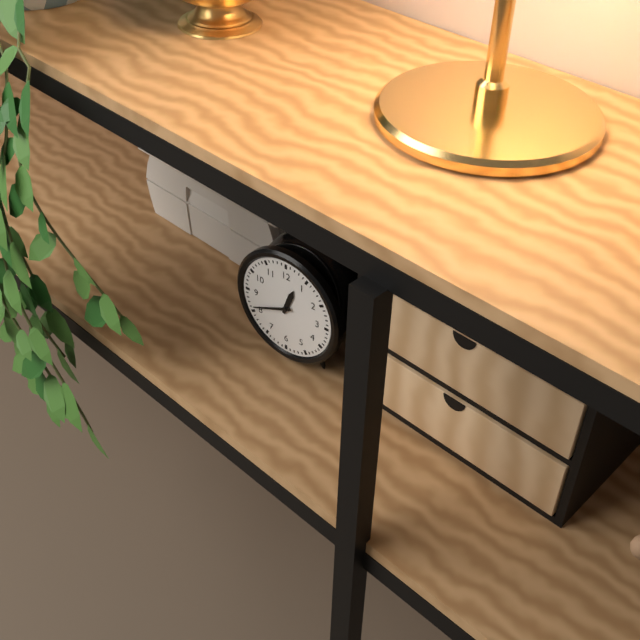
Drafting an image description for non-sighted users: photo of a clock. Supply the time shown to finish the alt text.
12:41
